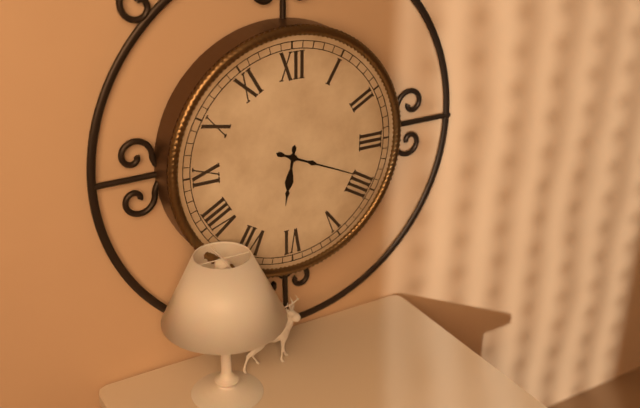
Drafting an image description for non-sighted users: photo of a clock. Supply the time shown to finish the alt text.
6:19
